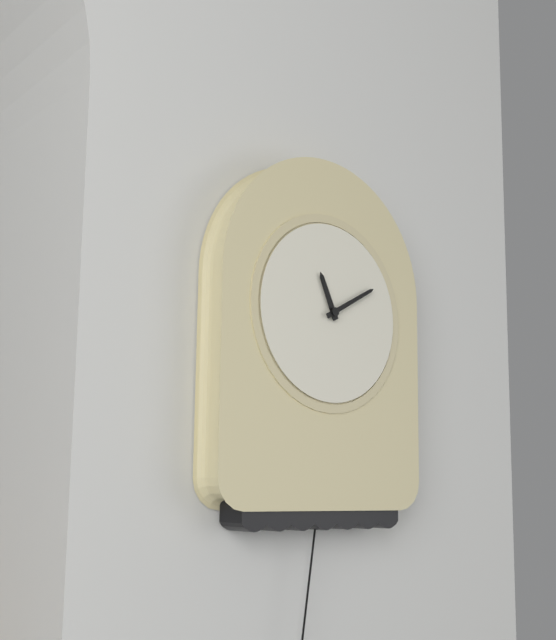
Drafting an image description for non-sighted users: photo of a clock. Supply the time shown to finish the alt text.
11:10
